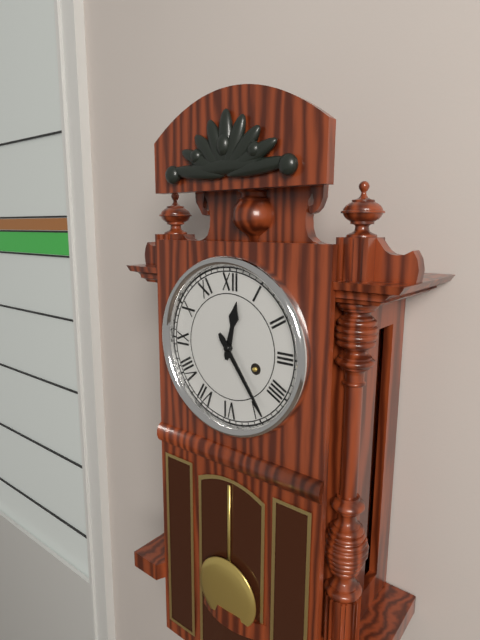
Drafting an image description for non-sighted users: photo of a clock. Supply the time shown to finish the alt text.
12:24
